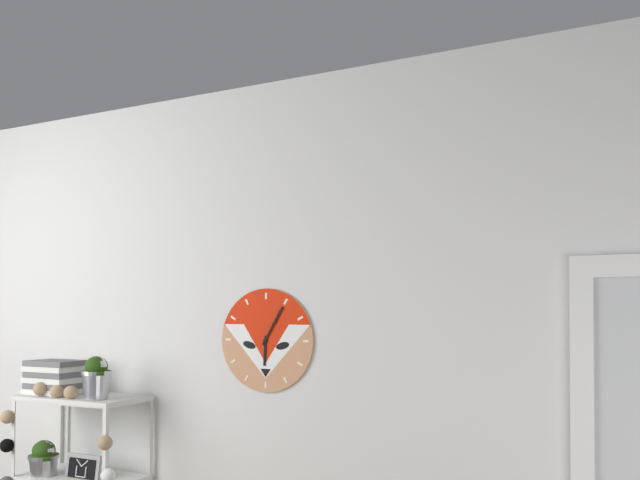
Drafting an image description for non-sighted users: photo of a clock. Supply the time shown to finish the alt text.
6:05
